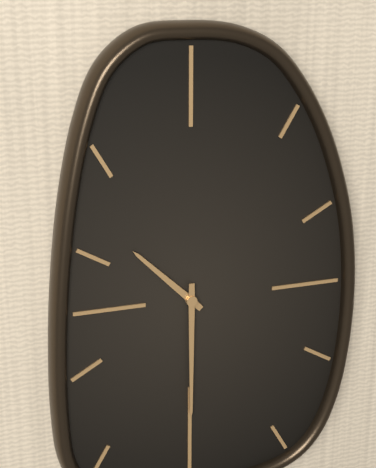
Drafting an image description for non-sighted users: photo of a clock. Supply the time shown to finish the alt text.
10:30
